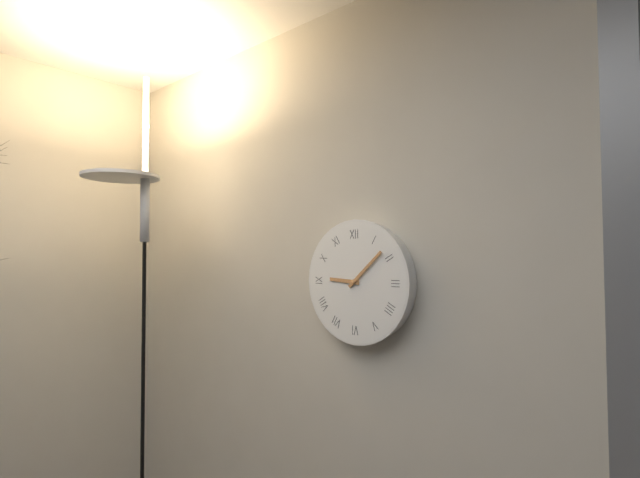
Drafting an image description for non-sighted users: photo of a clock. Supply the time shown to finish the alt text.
9:08
